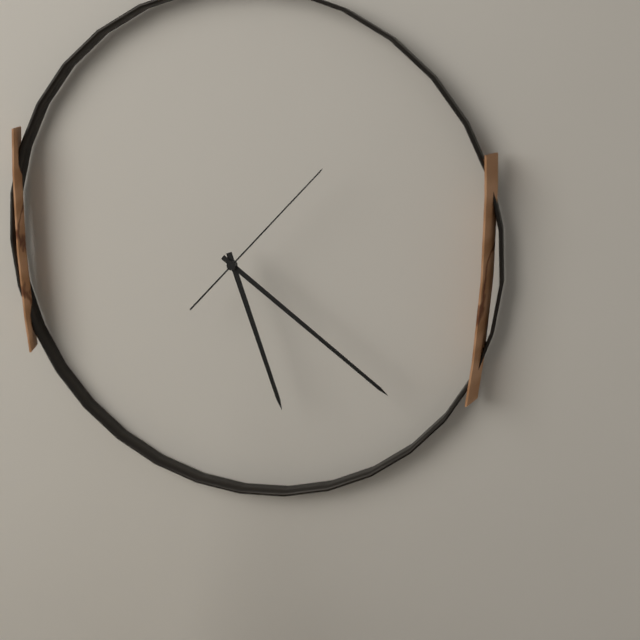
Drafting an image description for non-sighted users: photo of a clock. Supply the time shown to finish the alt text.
5:21:07
